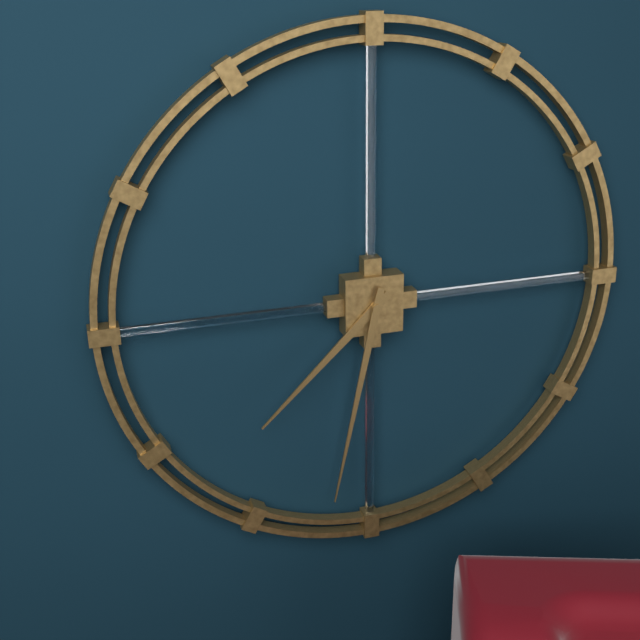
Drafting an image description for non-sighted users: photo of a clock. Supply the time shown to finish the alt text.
7:32
